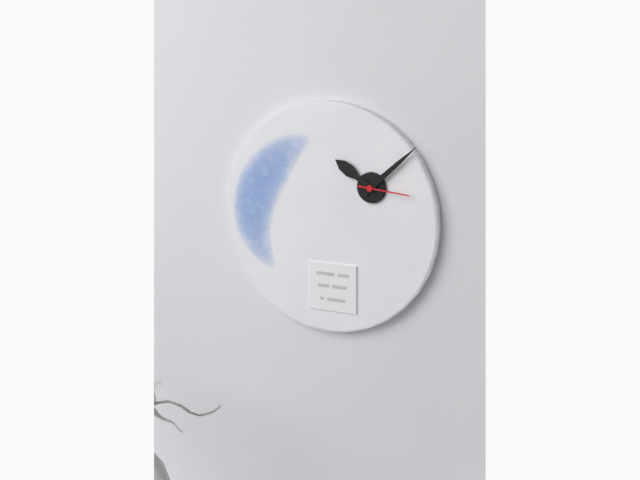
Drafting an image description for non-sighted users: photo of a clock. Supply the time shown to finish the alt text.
10:08:16
